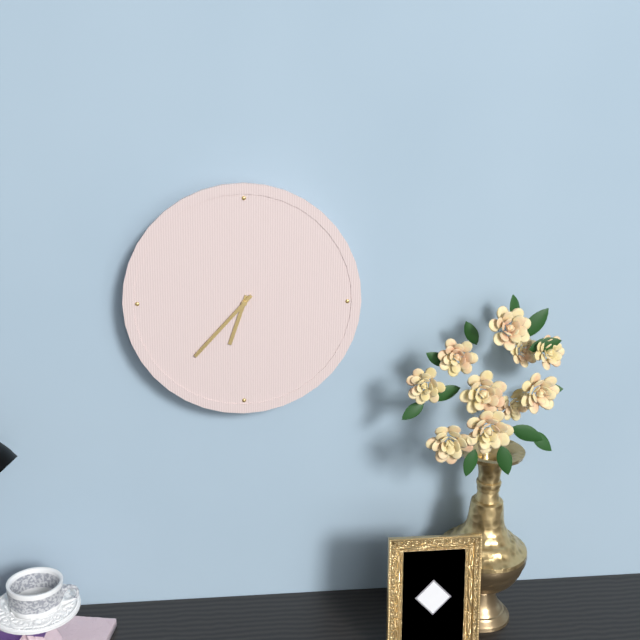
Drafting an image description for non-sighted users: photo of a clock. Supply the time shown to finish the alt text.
6:37
